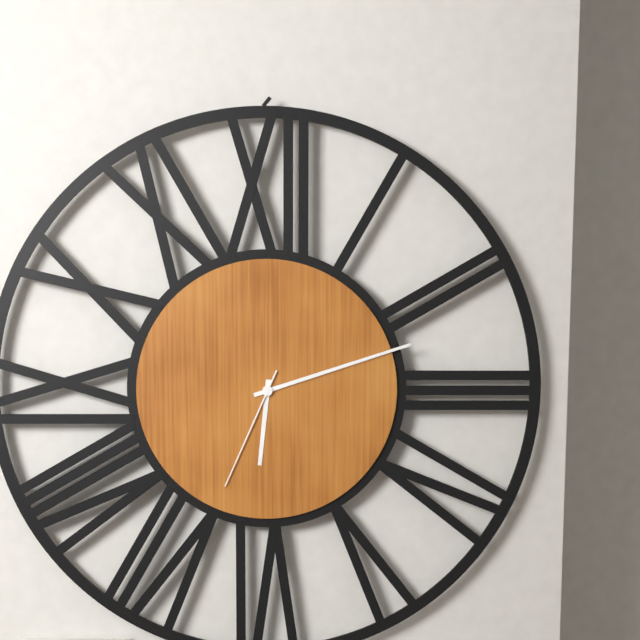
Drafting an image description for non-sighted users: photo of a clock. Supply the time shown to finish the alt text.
6:12:34
